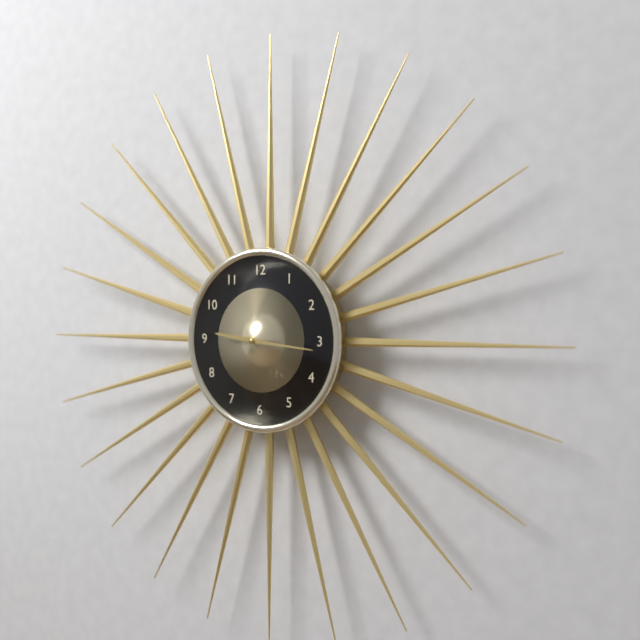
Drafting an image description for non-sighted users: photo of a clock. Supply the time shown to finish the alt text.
9:16
